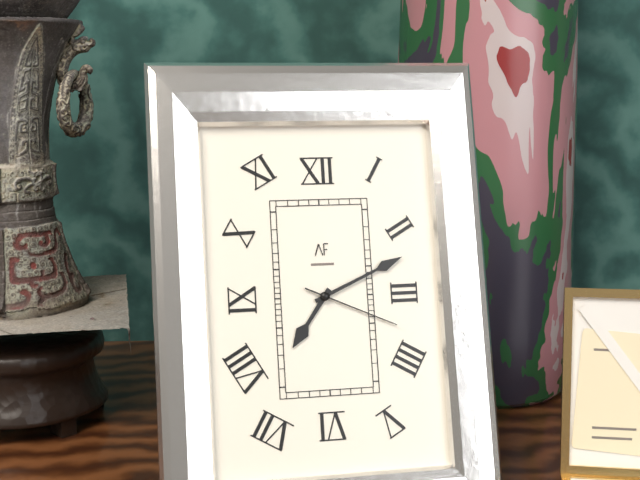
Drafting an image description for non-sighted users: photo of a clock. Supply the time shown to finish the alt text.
7:11:19
